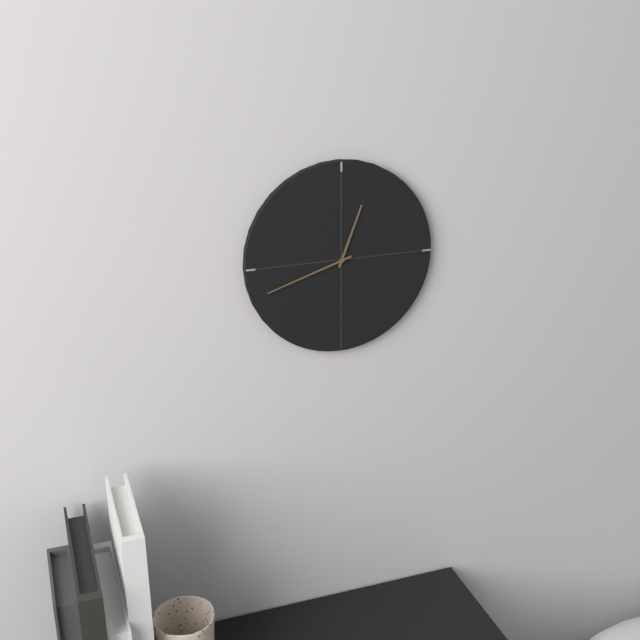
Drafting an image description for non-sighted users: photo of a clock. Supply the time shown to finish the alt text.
12:42
